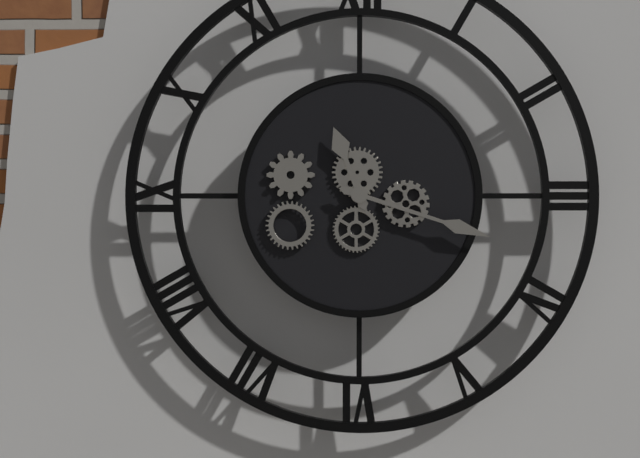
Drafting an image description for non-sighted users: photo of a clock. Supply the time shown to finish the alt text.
11:18
